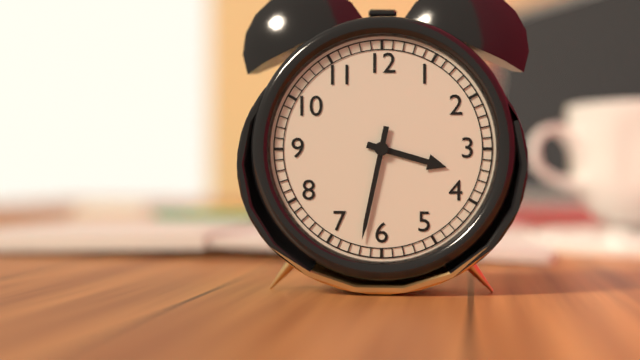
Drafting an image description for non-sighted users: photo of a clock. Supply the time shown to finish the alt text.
3:32
